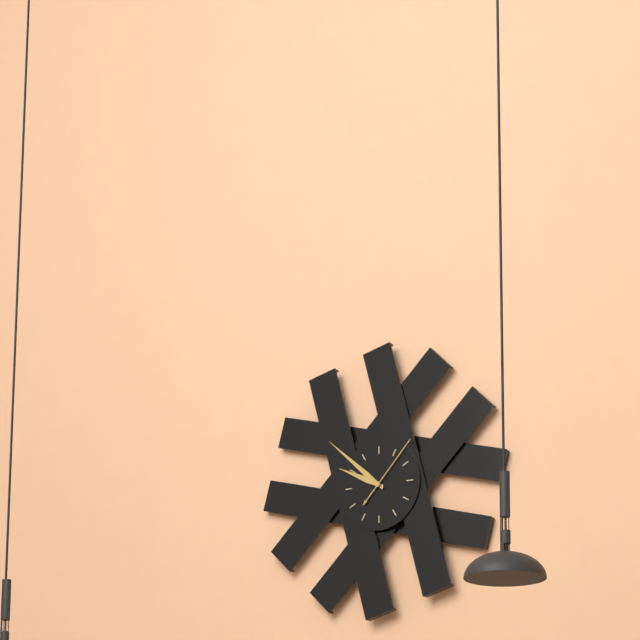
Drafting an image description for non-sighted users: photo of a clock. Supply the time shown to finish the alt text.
9:52:07
